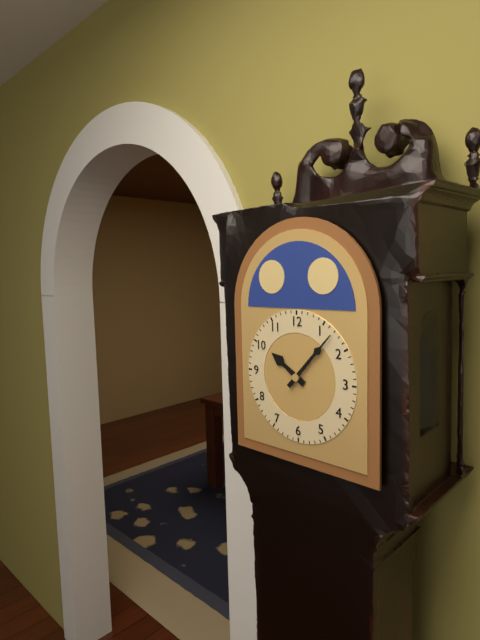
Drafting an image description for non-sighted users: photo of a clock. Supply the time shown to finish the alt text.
10:07
